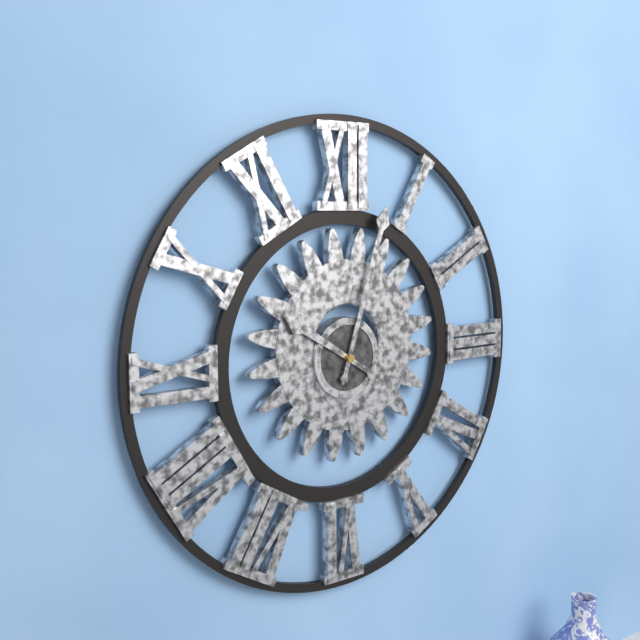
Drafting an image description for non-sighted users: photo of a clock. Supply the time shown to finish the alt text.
10:03
